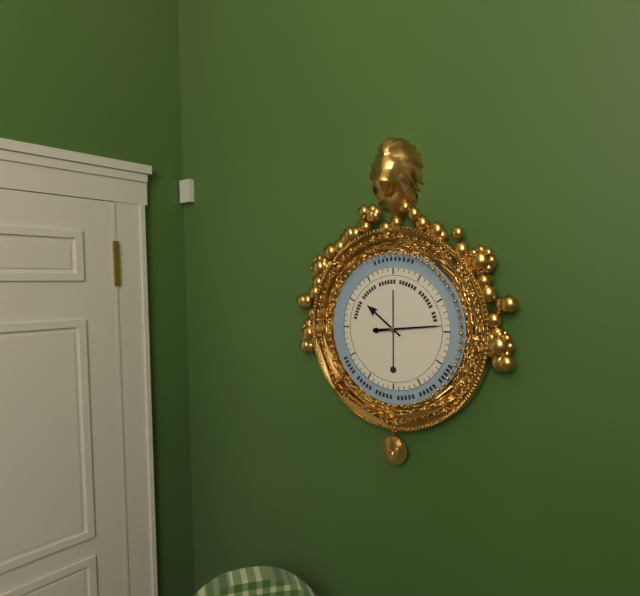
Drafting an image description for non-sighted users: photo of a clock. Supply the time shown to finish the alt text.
10:14
